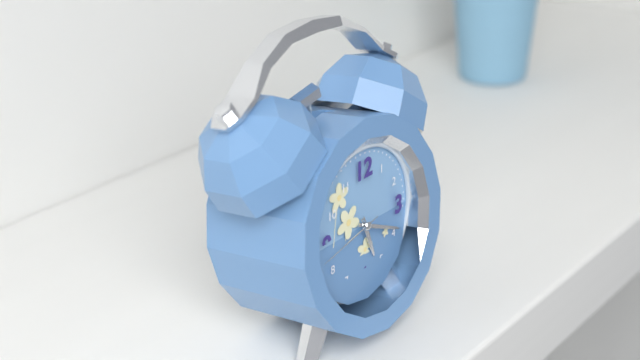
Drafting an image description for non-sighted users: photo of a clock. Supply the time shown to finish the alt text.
5:19:43
